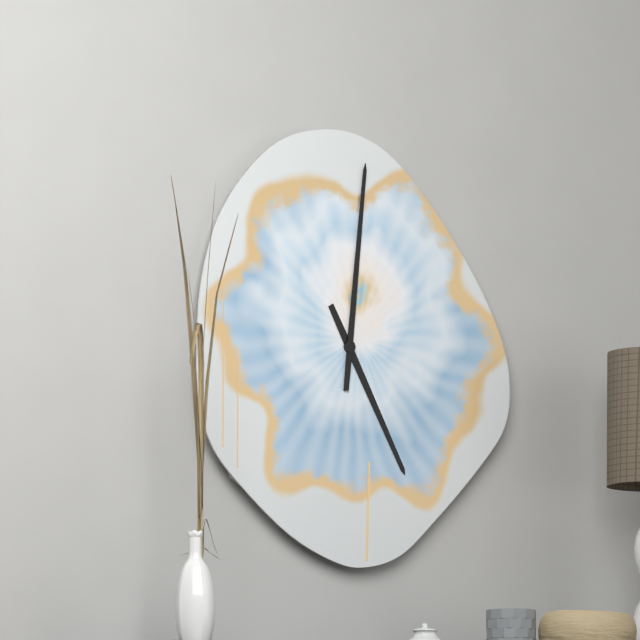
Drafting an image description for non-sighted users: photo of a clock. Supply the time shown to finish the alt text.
5:01
